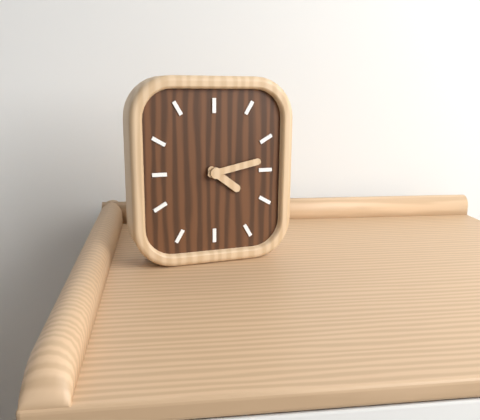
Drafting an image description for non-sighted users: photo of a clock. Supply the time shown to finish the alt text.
4:13
